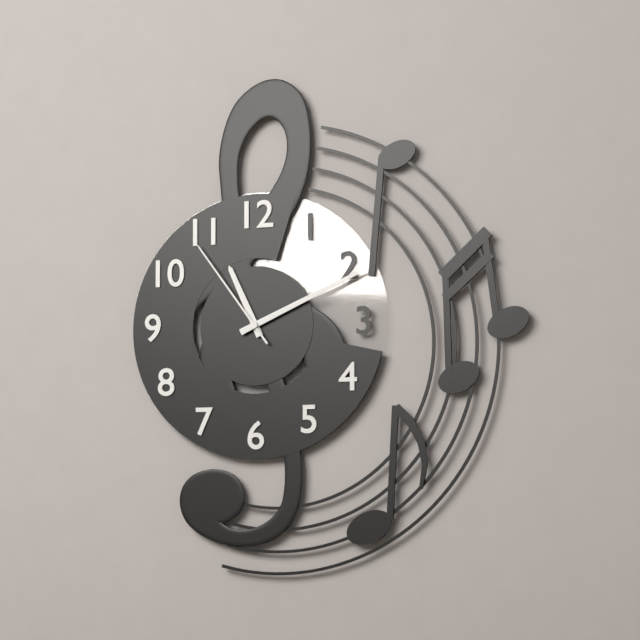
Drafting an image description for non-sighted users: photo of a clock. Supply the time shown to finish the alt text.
11:11:54
